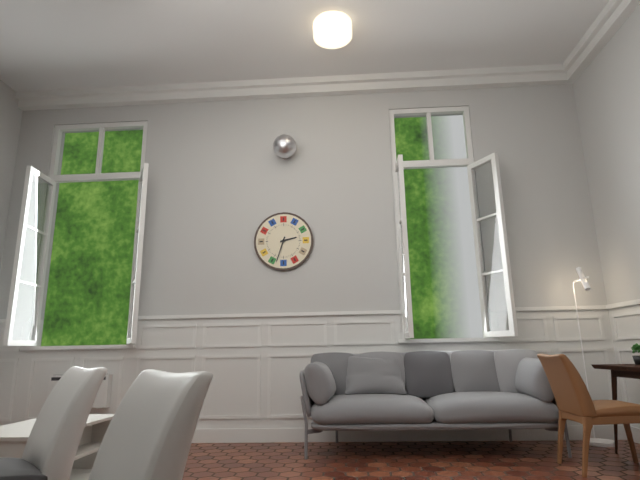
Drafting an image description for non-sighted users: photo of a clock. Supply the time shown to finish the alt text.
2:33
